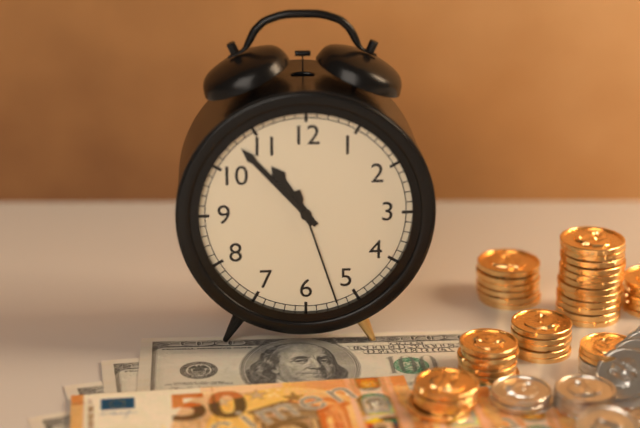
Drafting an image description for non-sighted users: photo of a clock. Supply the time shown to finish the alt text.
10:53:27
